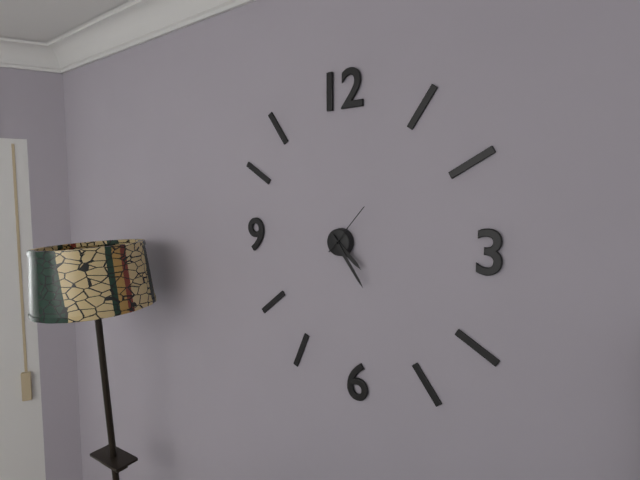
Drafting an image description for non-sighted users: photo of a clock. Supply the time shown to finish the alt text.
4:24:07
